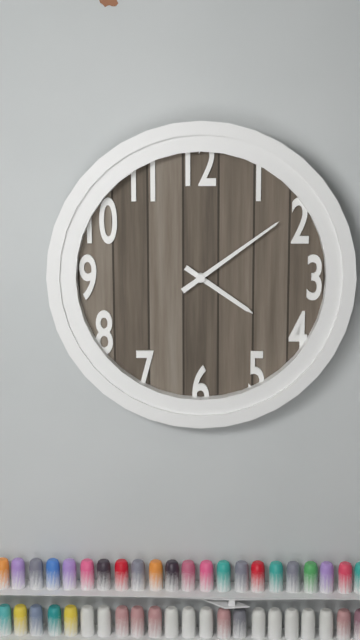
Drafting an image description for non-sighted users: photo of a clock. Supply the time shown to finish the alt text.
4:09
